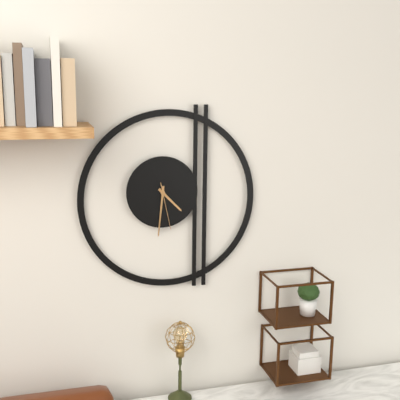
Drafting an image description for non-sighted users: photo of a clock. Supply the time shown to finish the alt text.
4:31
